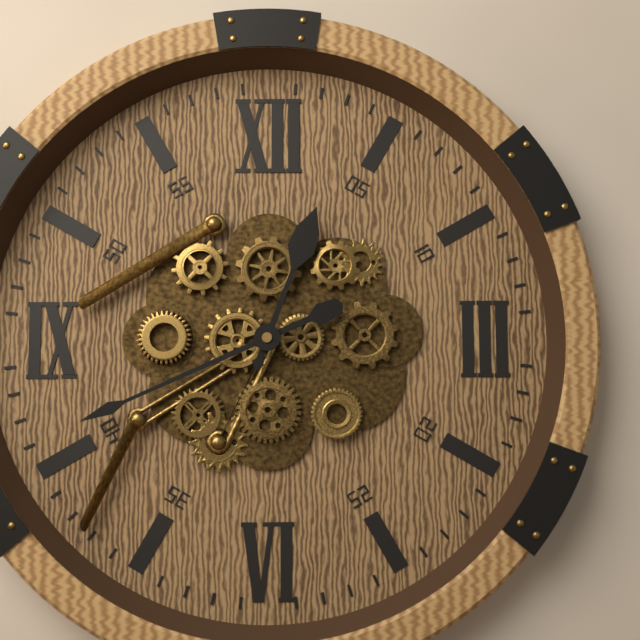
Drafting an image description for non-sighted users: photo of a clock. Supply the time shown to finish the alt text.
12:41
